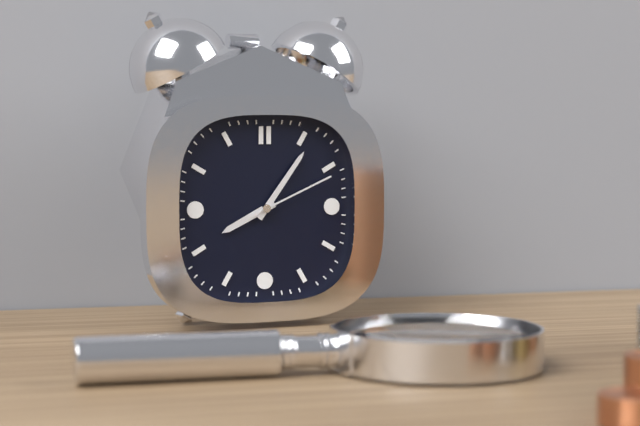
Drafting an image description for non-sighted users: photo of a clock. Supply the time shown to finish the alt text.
8:06:11
